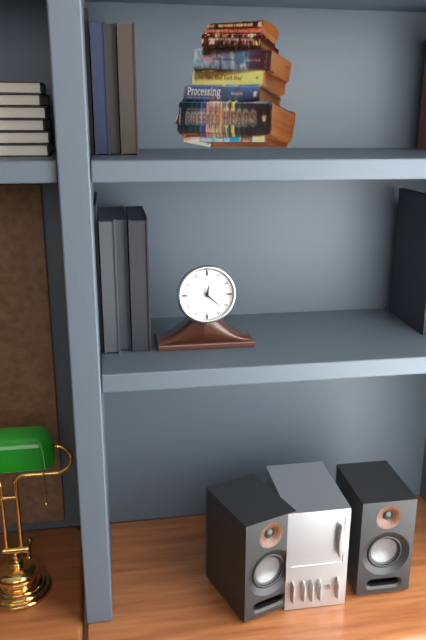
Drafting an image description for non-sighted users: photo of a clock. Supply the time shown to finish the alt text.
12:22
